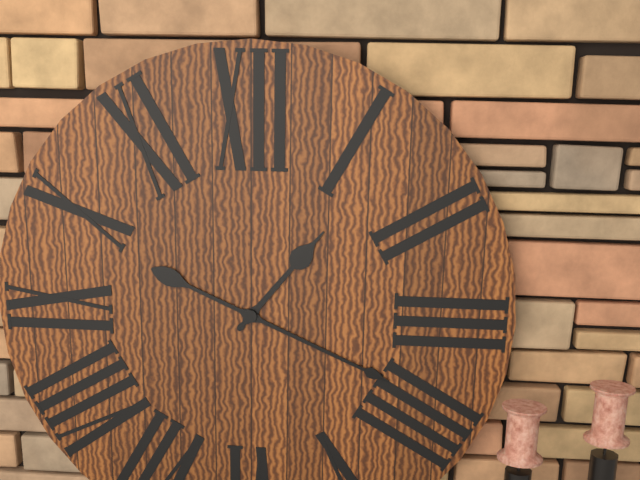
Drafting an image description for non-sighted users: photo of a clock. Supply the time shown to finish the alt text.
1:19
